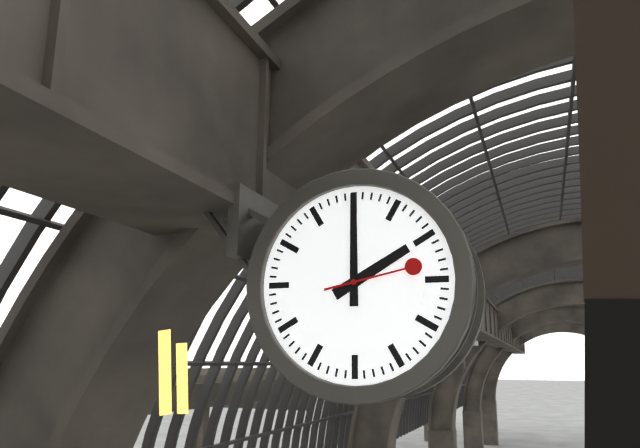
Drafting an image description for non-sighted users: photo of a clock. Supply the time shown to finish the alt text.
2:00:13
